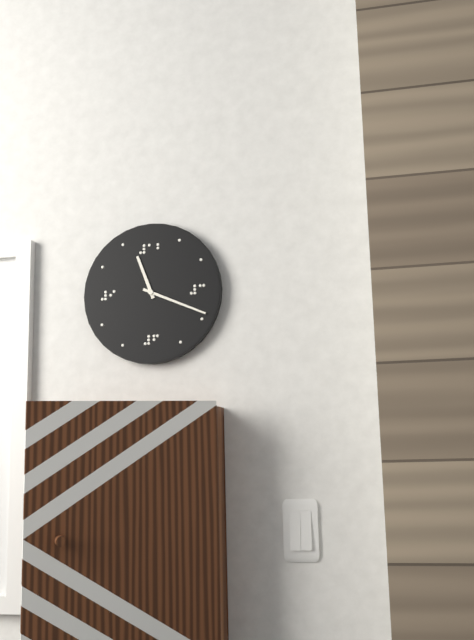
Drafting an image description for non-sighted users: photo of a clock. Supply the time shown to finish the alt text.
11:19
